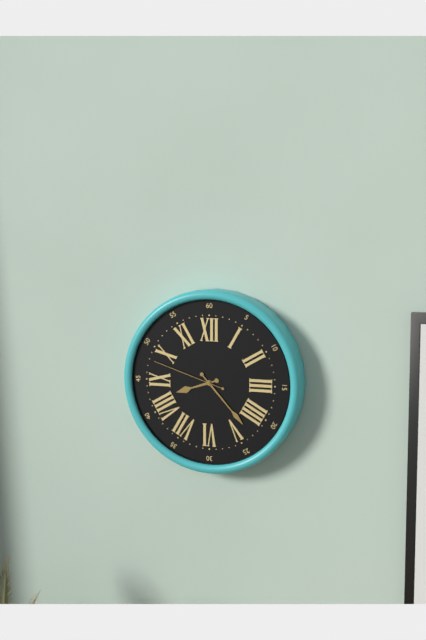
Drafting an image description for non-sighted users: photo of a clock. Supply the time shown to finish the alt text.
8:23:48
